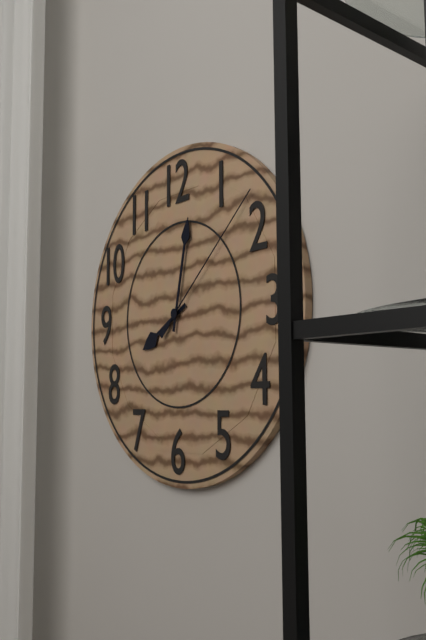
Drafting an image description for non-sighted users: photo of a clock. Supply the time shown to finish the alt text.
8:02:08
